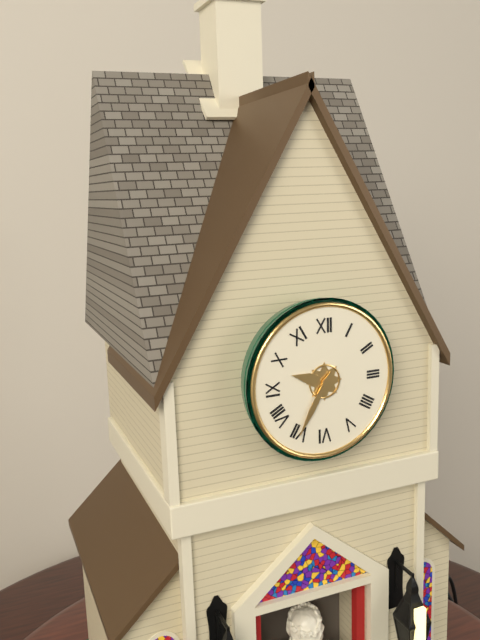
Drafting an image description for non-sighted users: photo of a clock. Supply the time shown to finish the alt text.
9:35
